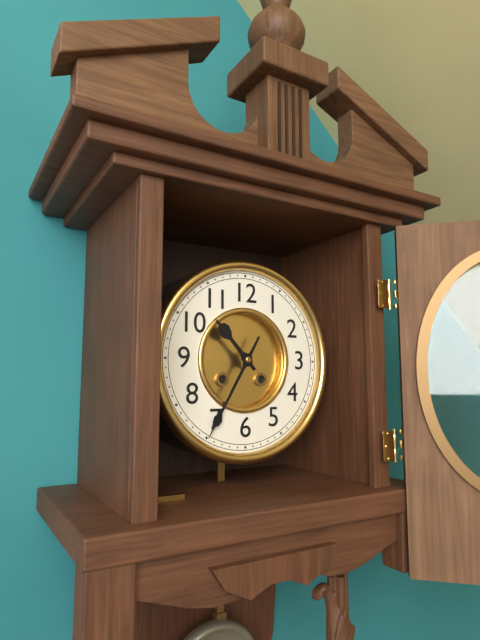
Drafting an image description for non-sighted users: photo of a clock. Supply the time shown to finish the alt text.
10:35
